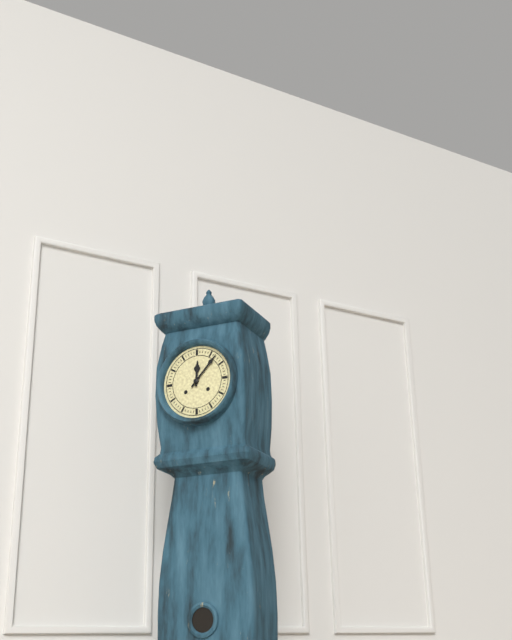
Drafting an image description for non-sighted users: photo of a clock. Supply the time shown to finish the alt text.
12:07
